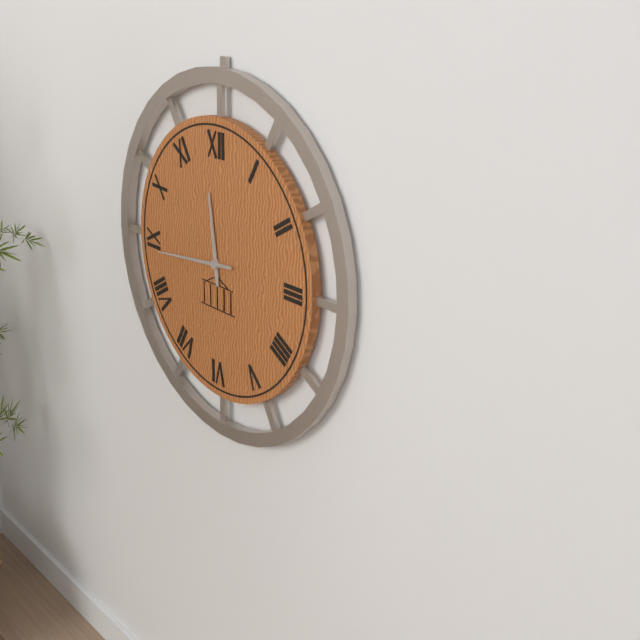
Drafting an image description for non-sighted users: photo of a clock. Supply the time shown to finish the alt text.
11:44
